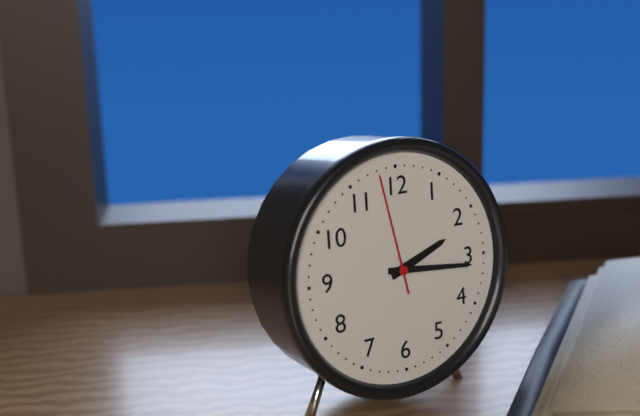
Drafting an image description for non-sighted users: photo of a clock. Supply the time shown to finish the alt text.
2:16:58
